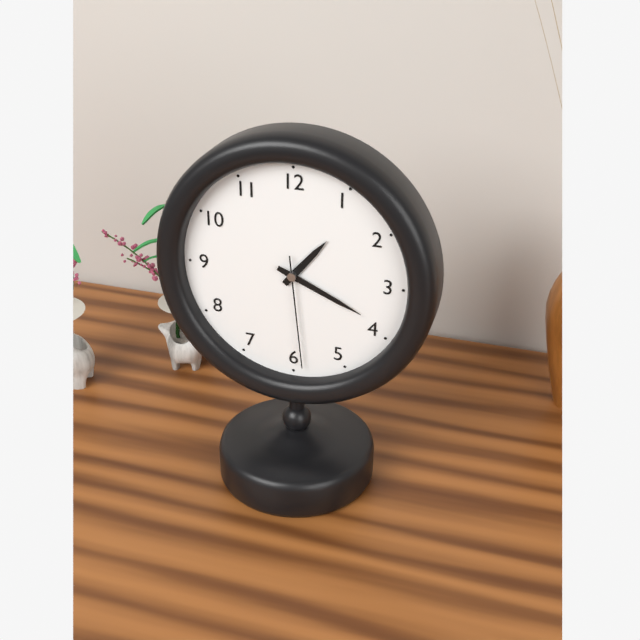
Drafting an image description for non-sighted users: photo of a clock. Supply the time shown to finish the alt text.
1:19:29
